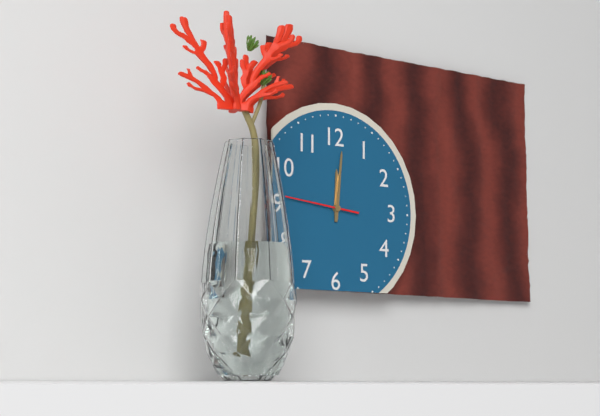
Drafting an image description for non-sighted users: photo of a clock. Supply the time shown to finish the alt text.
12:01:46
